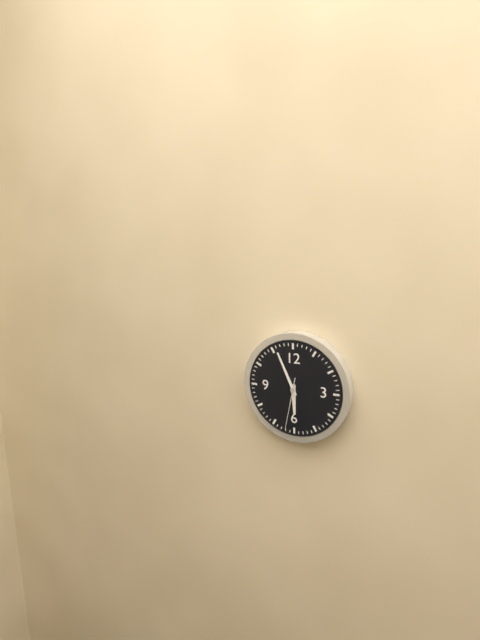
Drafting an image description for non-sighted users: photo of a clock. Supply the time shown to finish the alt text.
5:56
